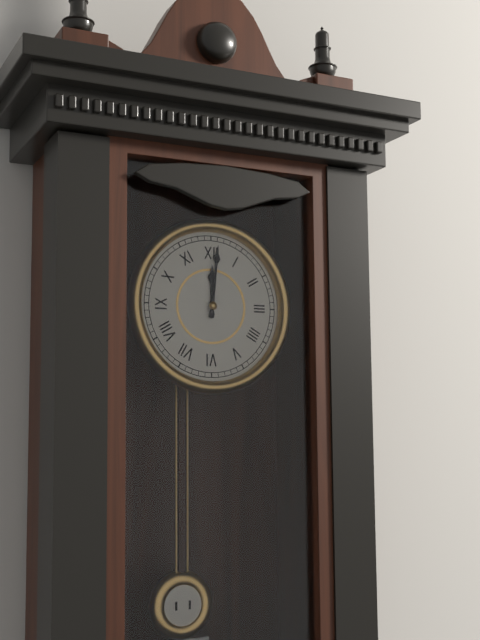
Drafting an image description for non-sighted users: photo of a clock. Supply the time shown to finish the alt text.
12:01
